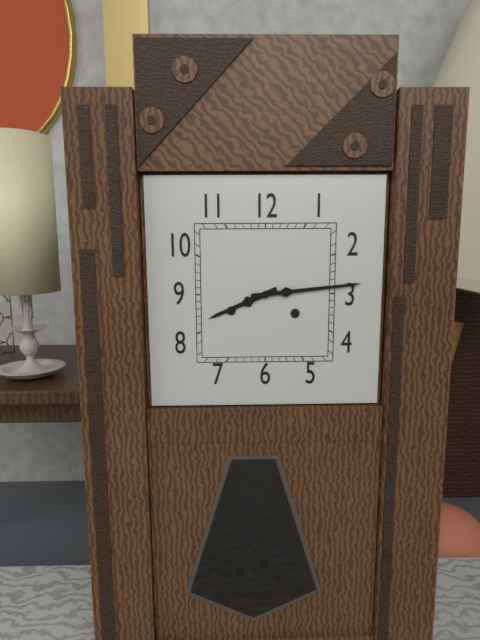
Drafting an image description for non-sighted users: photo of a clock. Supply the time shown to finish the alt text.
8:14
